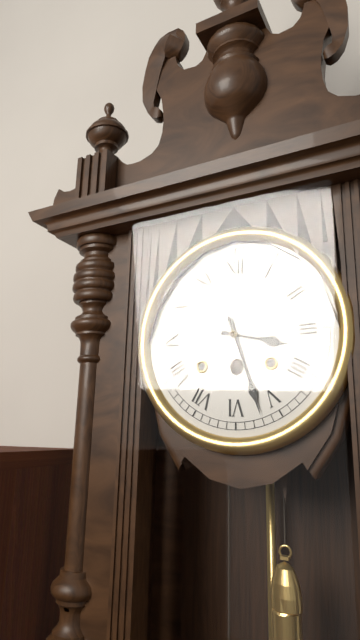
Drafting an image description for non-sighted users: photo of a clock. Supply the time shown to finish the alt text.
3:27
